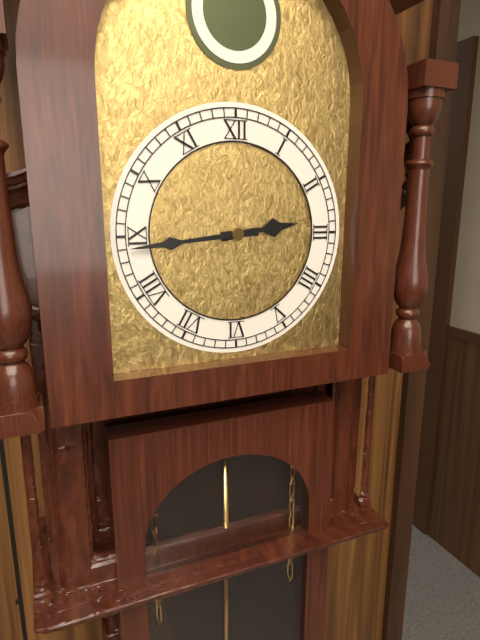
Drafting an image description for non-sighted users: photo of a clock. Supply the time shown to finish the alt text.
2:44
